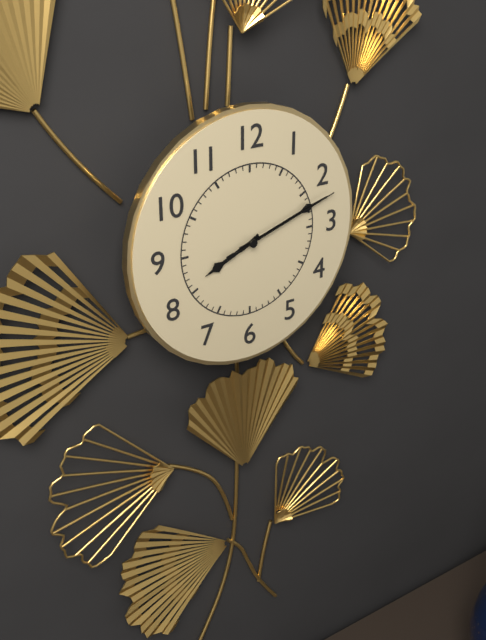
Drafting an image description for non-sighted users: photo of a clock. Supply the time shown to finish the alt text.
8:12:12
